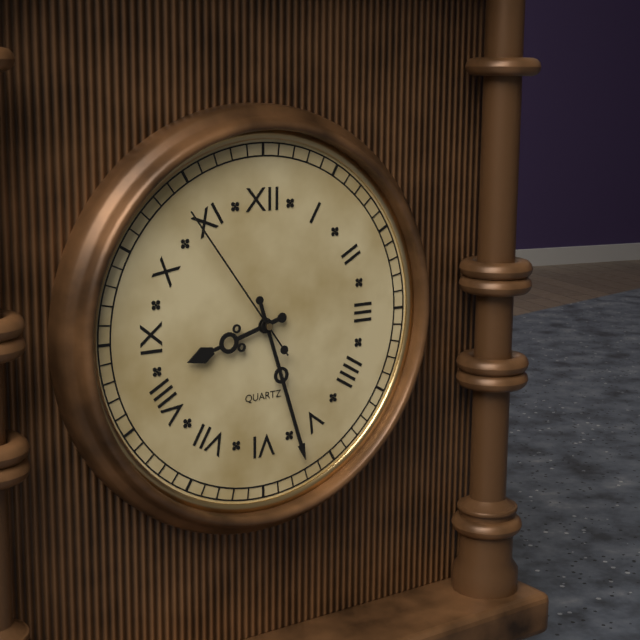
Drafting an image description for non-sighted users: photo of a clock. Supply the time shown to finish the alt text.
8:27:54
